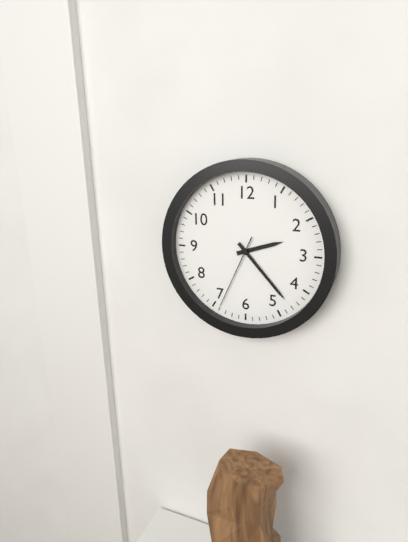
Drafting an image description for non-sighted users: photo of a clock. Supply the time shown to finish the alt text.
2:23:34
